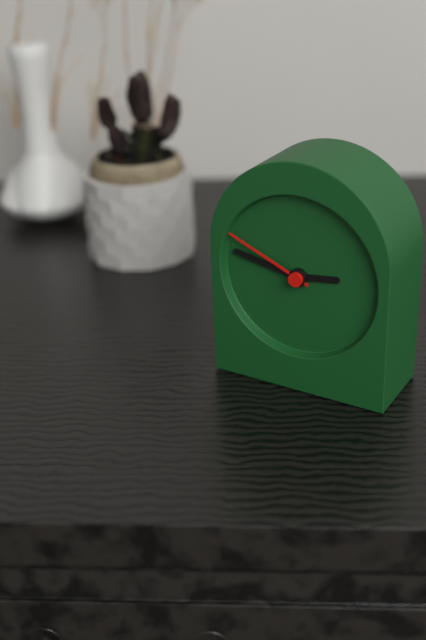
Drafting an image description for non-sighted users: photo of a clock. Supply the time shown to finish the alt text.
2:47:49
